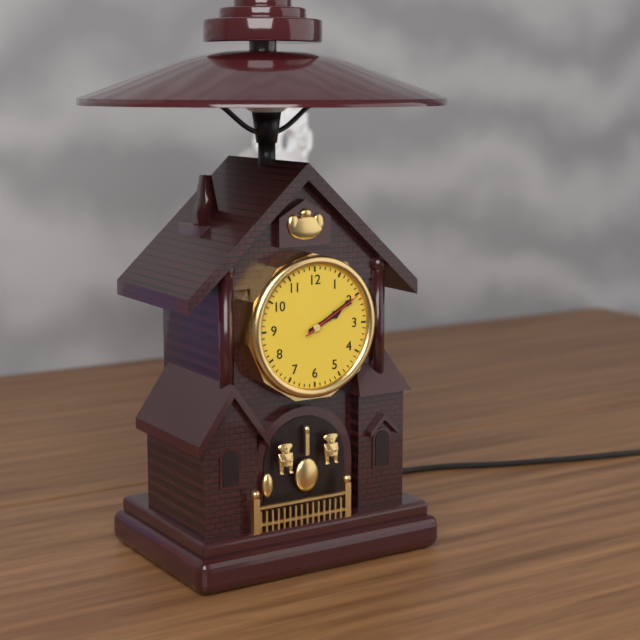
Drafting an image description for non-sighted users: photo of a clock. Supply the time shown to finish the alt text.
2:10:10
